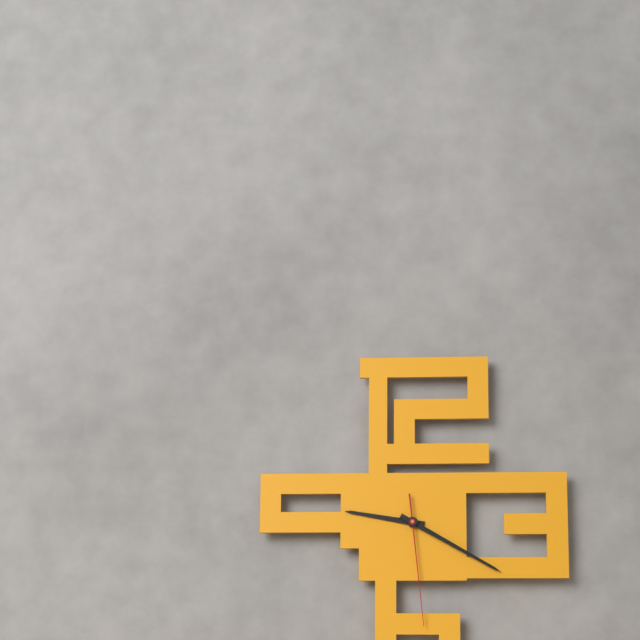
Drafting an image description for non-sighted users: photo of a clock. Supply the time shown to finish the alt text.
9:20:29
